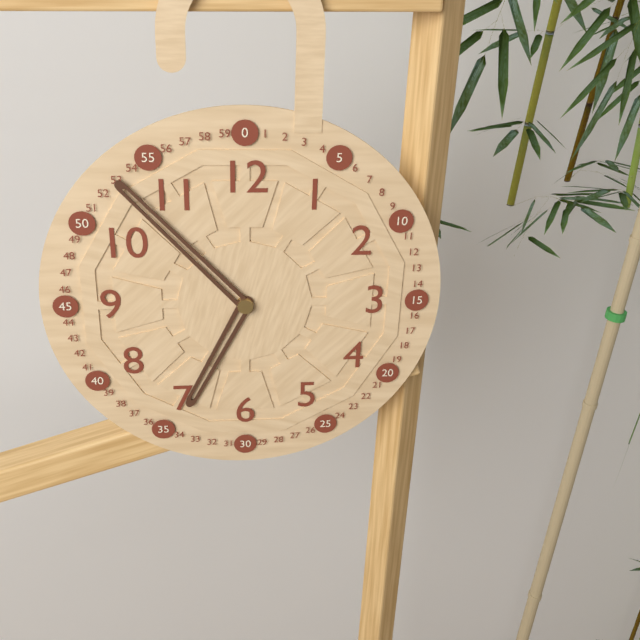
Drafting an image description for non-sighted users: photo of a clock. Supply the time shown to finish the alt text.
6:53
